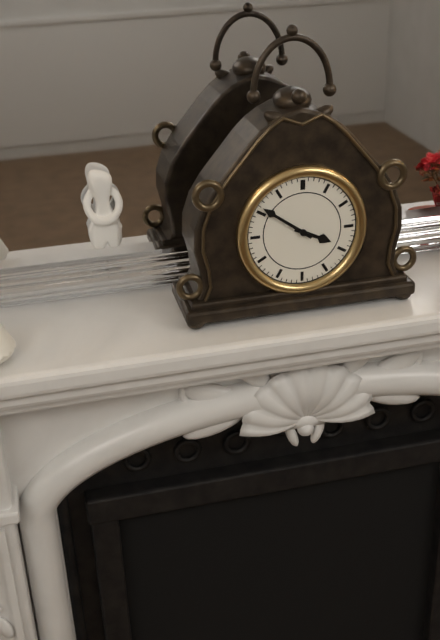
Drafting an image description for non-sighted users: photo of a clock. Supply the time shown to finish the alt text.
3:51
